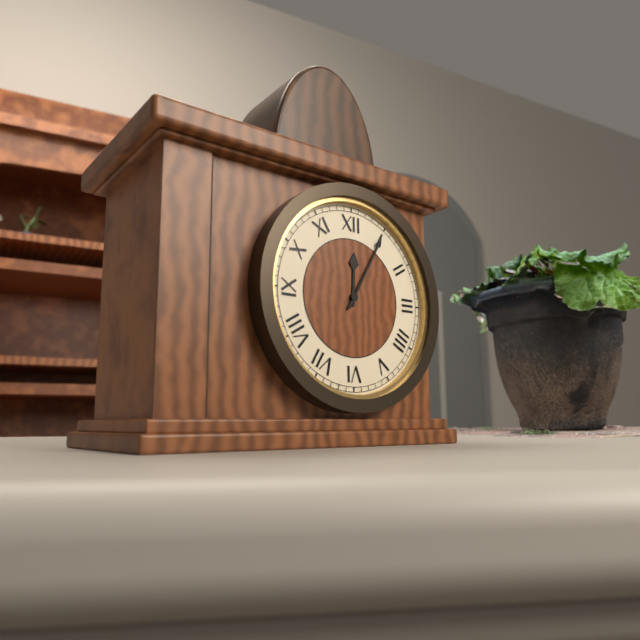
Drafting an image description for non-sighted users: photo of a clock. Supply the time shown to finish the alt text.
12:05
